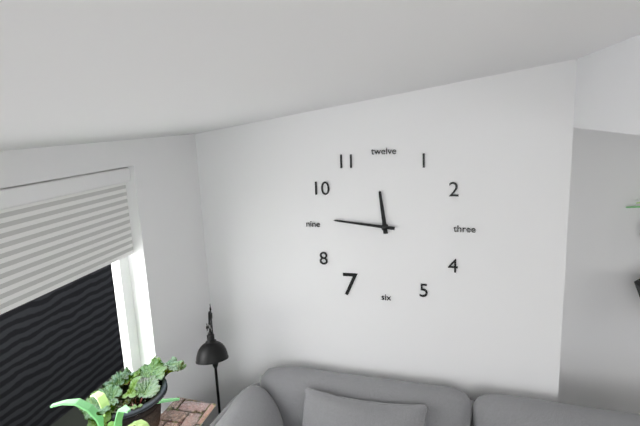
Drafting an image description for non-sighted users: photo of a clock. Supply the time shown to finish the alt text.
11:46
